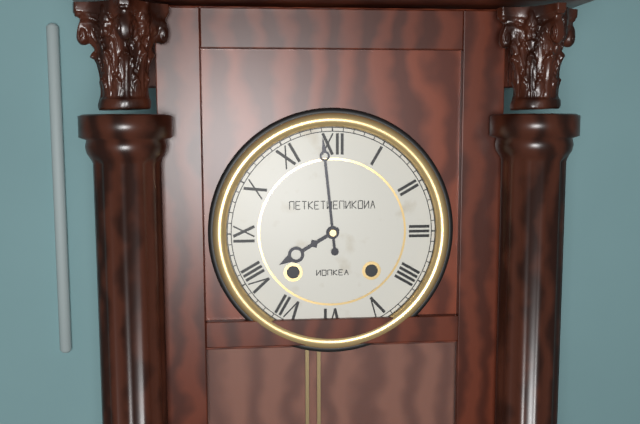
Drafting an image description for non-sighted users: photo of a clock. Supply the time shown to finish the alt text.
7:59
